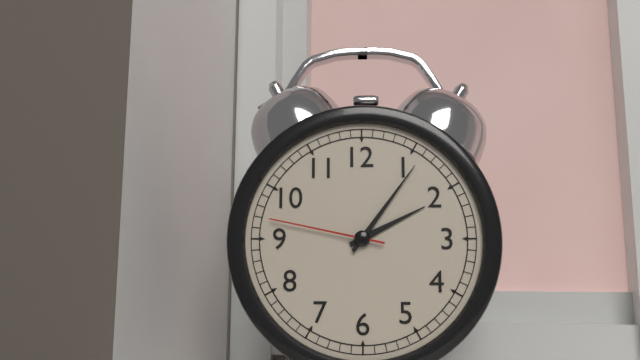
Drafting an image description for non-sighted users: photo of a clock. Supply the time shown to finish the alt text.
2:06:47
